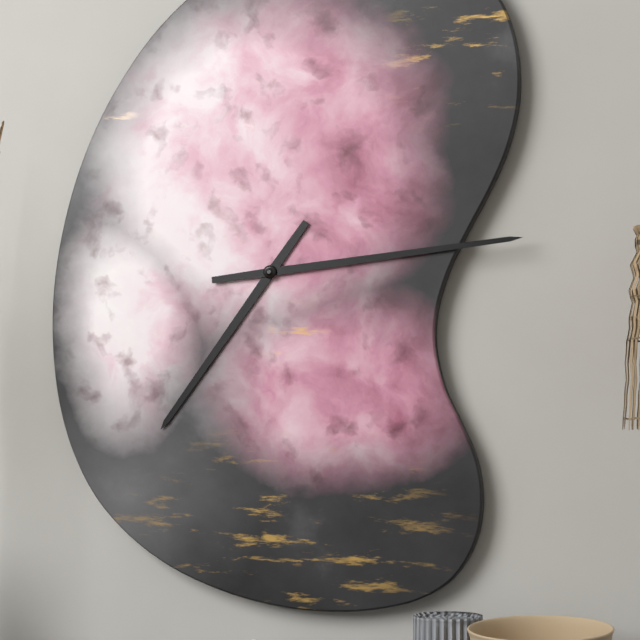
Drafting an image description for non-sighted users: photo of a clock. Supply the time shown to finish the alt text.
7:14
